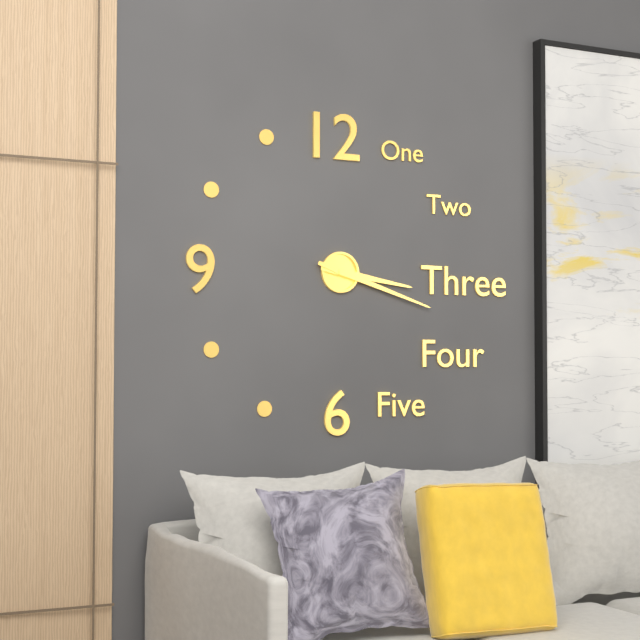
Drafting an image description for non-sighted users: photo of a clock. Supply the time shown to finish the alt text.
3:18
